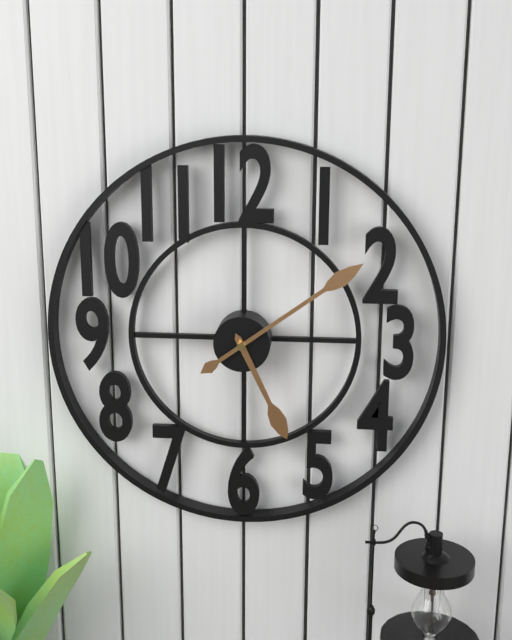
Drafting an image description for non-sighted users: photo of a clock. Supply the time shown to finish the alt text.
5:09
